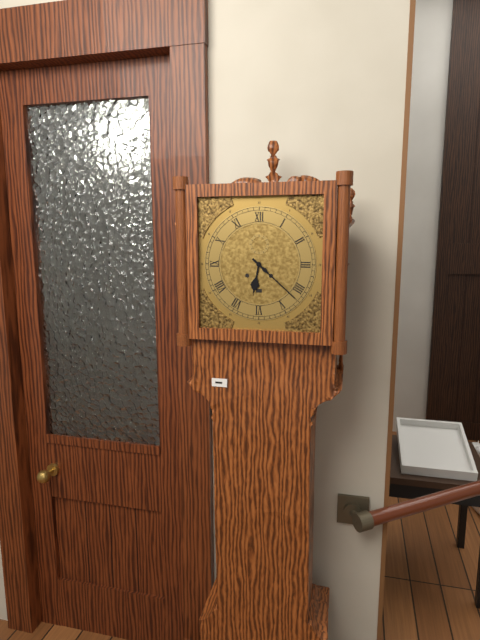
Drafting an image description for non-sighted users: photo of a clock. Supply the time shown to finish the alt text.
6:22
